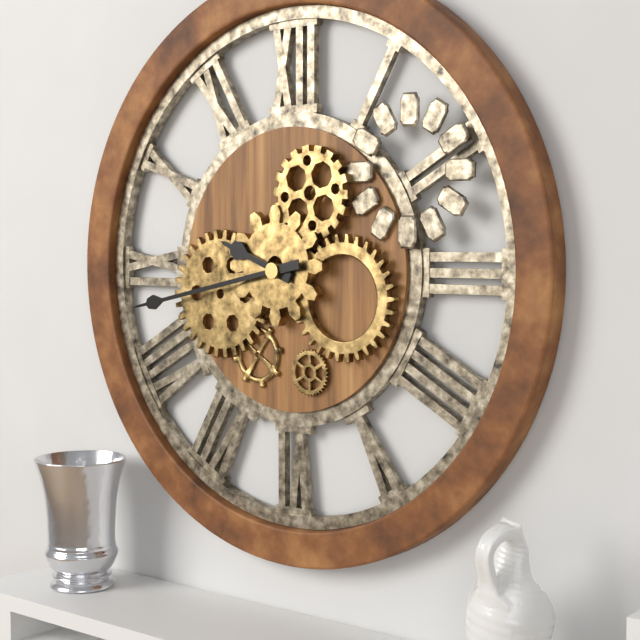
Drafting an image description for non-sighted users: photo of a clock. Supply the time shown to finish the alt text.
9:43
